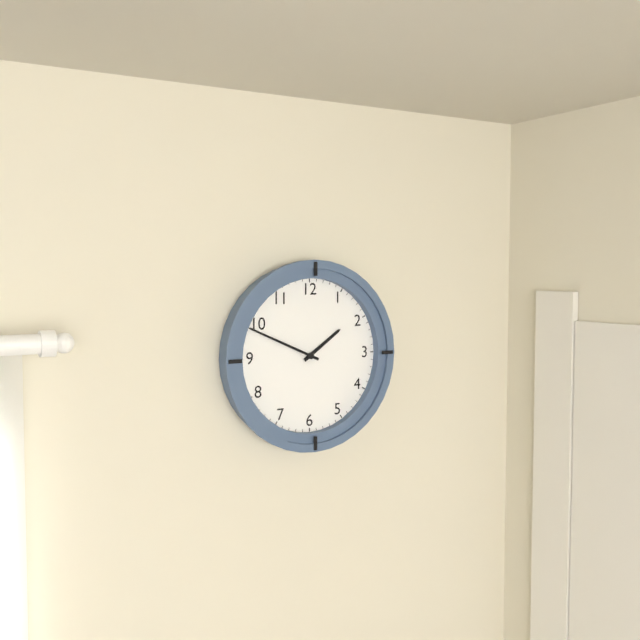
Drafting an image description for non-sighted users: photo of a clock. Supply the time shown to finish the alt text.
1:49
